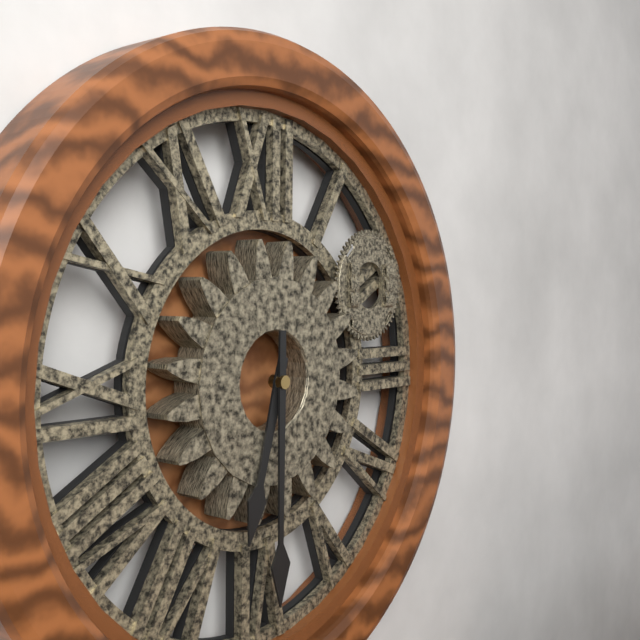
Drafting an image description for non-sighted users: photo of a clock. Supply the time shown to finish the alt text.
6:30
